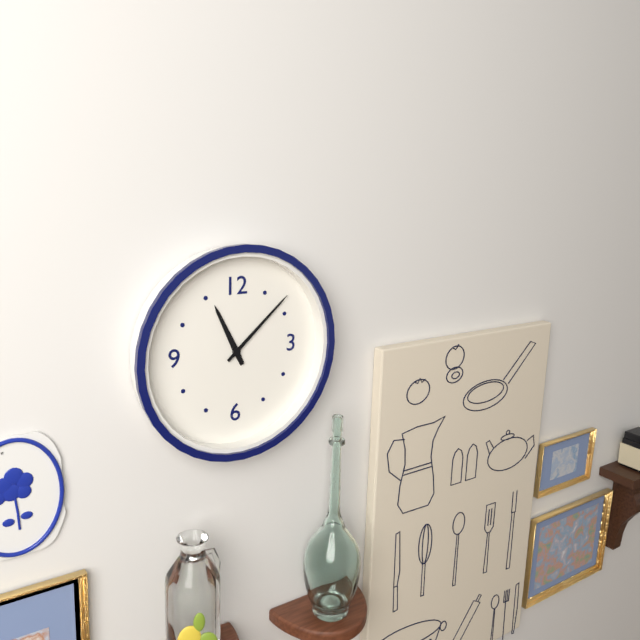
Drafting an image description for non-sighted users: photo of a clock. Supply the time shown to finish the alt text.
11:08
